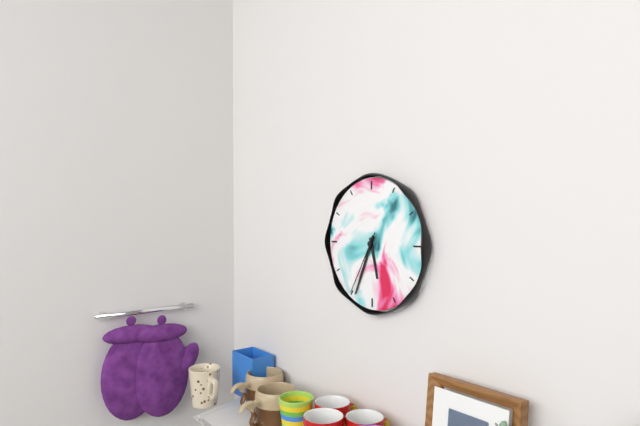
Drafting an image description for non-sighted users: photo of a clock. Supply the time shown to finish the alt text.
5:34:35
